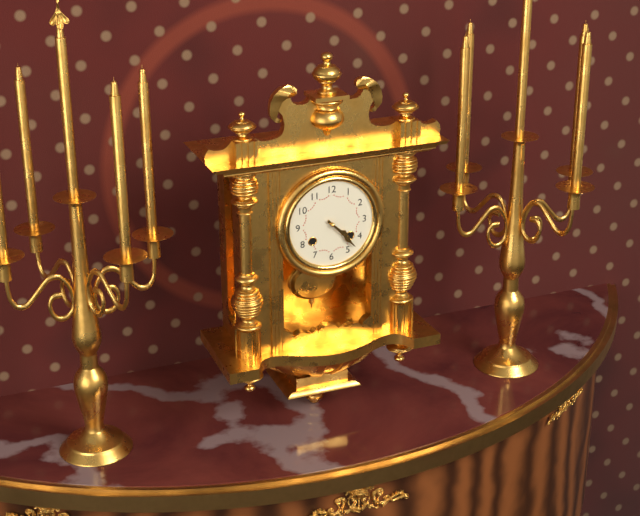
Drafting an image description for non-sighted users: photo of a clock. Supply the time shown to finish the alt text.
4:23
